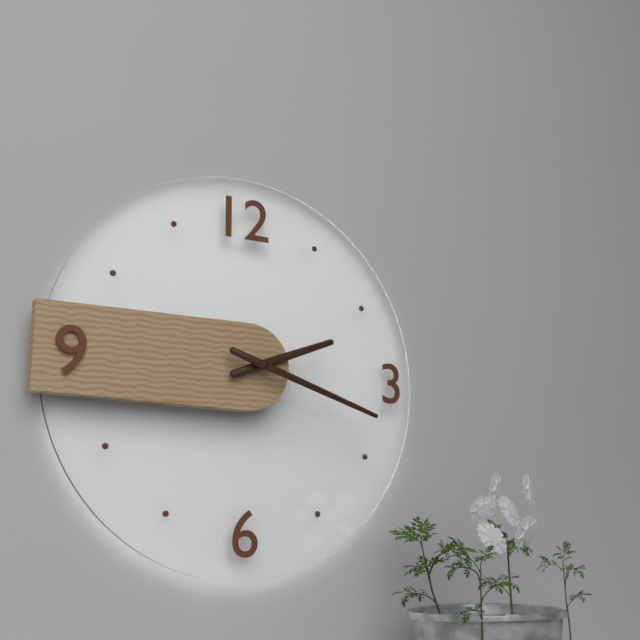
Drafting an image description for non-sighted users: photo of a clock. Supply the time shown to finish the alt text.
2:18
